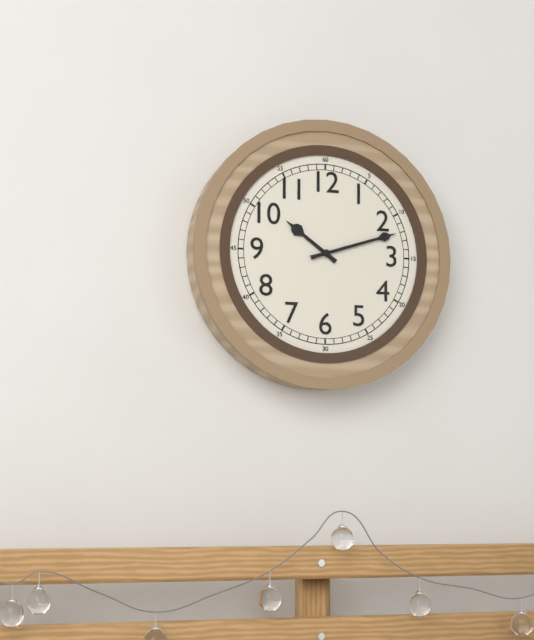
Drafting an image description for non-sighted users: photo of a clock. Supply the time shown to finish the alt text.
10:12
